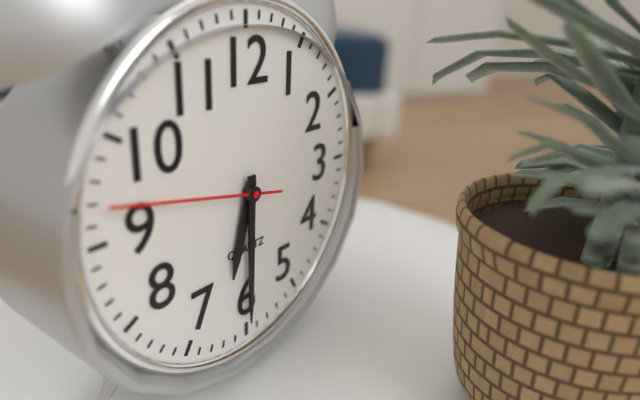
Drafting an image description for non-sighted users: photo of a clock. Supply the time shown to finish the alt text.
6:30:47
